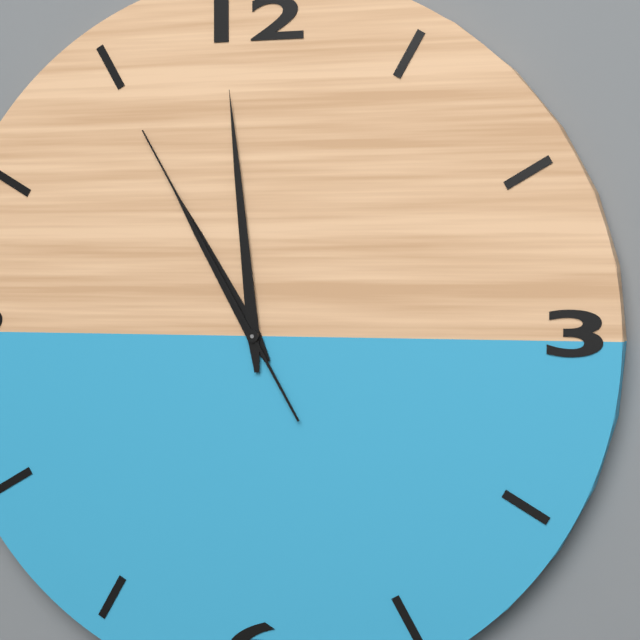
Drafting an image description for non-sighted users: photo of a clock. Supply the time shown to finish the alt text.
10:59:55
